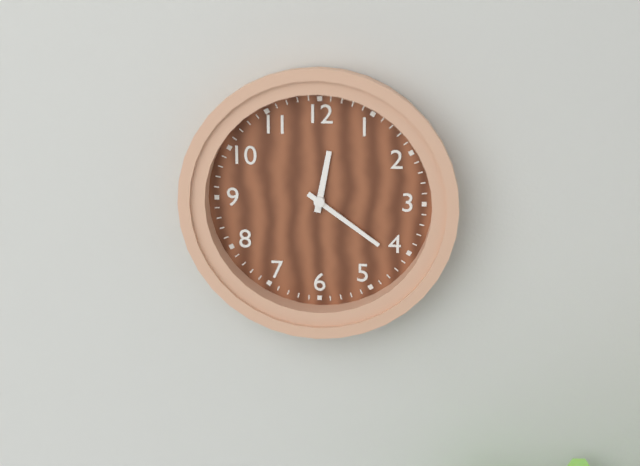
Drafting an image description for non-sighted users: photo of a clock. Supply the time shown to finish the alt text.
12:21
